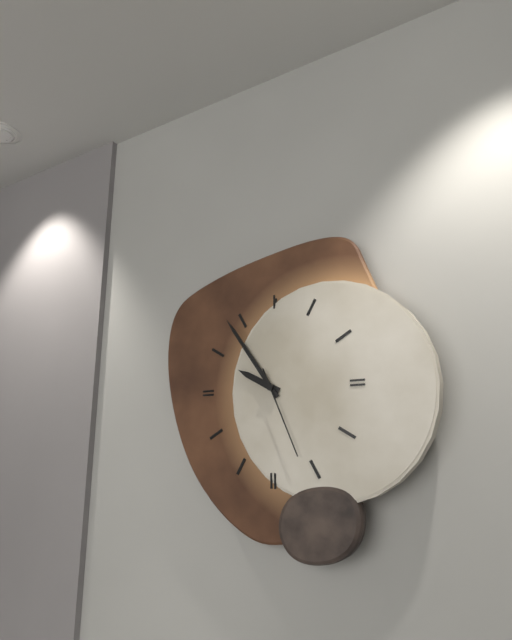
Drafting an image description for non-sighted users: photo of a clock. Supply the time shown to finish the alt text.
9:54:26
